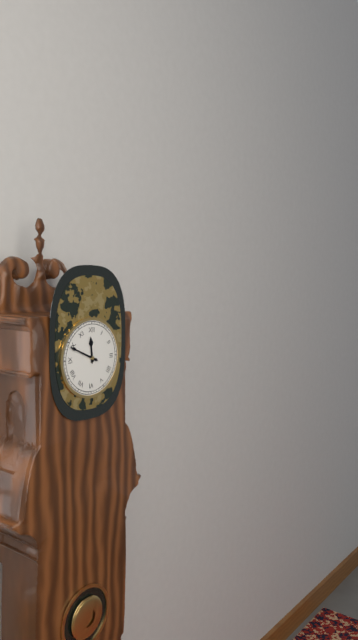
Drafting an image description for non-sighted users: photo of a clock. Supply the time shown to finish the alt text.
11:49
